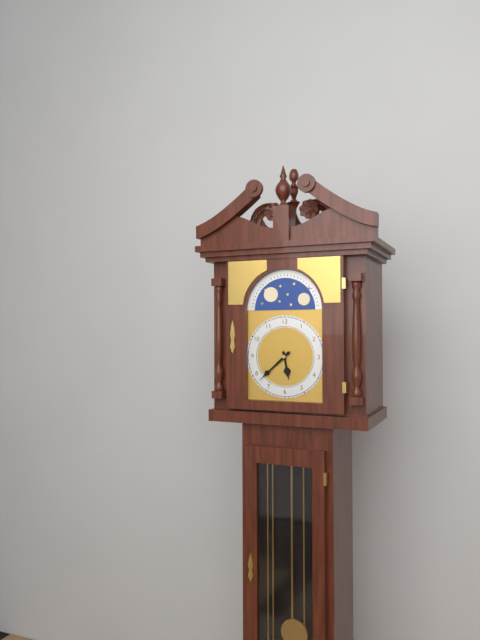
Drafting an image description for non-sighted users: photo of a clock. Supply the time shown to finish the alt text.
5:38
